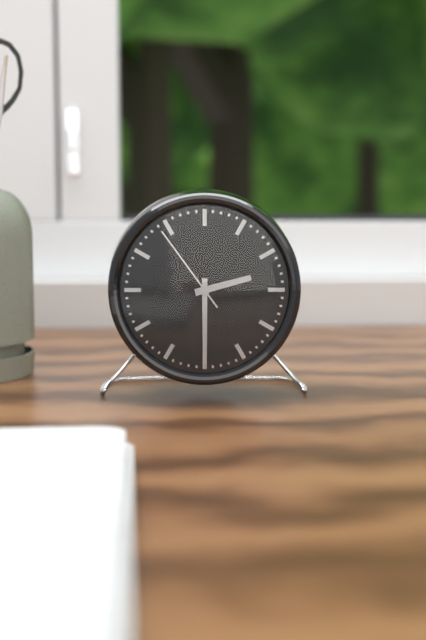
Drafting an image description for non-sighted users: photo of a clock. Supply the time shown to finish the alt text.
2:30:54
